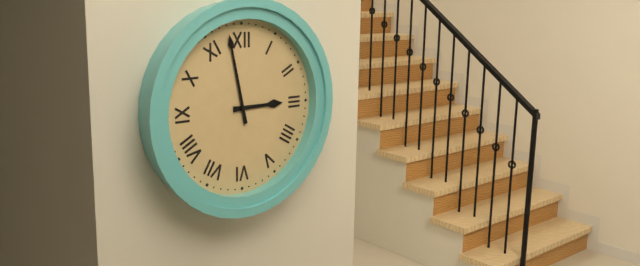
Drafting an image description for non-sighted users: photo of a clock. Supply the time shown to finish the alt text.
2:58
